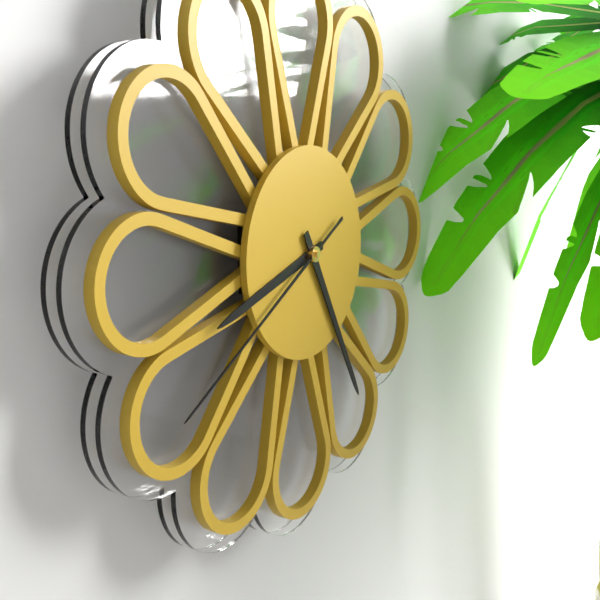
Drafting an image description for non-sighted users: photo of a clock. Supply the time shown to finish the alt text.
8:25:40
